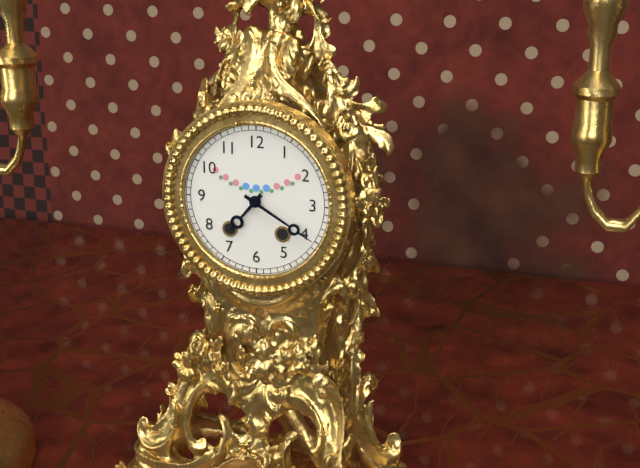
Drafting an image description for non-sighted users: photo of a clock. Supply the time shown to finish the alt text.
7:20
